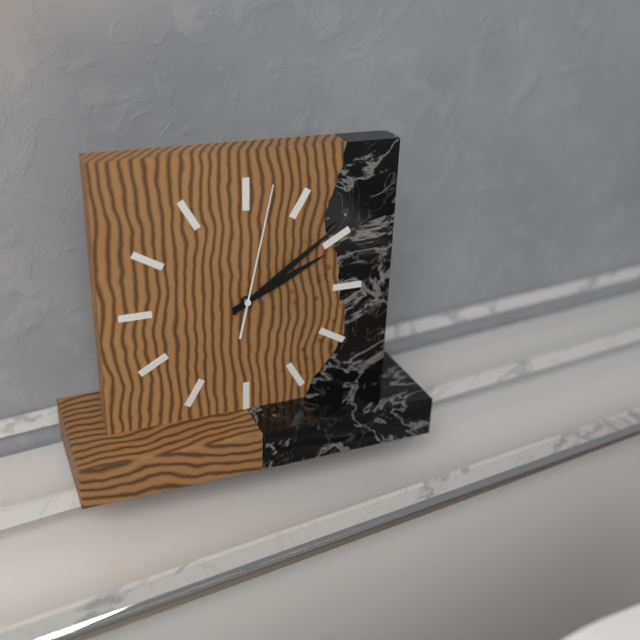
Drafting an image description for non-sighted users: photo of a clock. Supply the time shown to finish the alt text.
2:09:02
